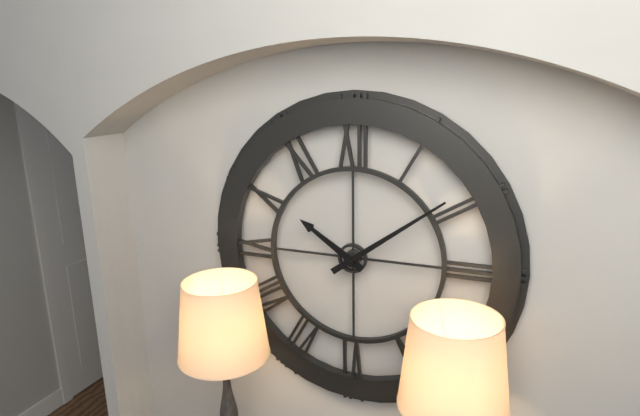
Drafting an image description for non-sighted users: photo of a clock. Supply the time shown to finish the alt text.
10:09
